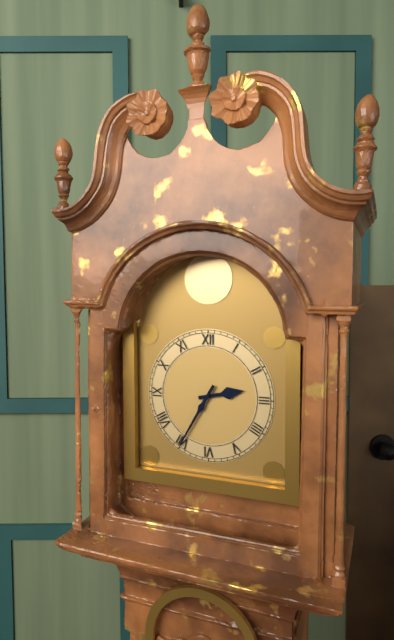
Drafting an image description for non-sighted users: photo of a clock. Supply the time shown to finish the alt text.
2:35
